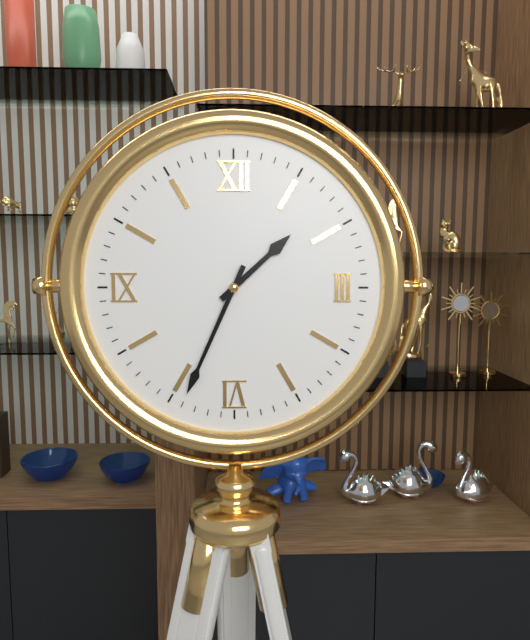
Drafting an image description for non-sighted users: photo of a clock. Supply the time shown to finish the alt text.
1:34
